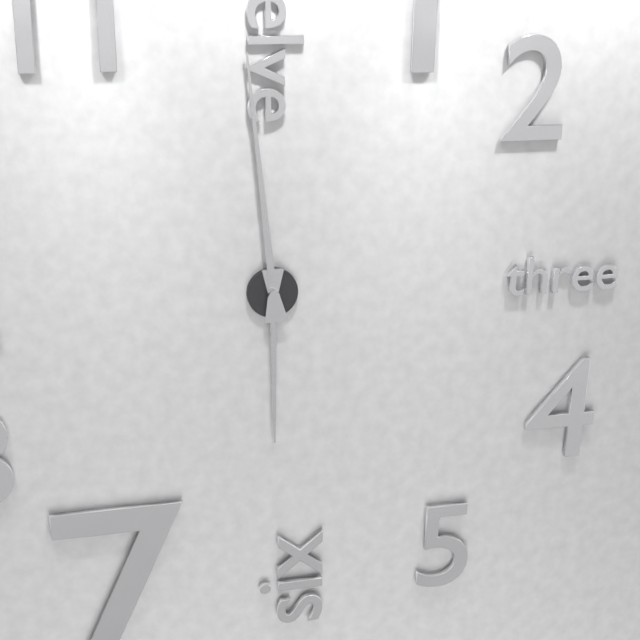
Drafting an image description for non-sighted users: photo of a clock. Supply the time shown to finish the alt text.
5:59
